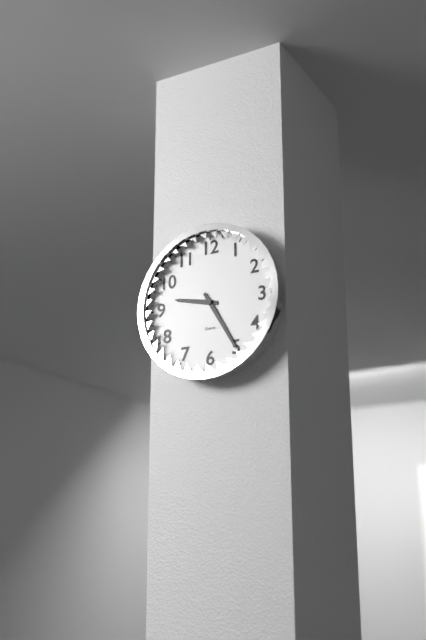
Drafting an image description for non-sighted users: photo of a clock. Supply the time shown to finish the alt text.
9:25
